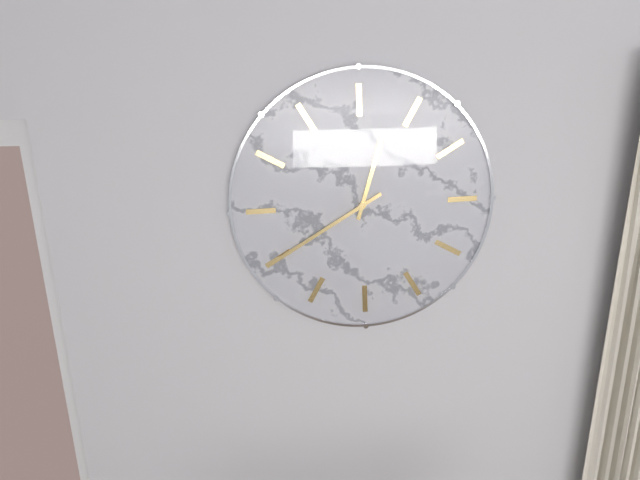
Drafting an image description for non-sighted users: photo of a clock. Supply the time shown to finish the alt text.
11:35
